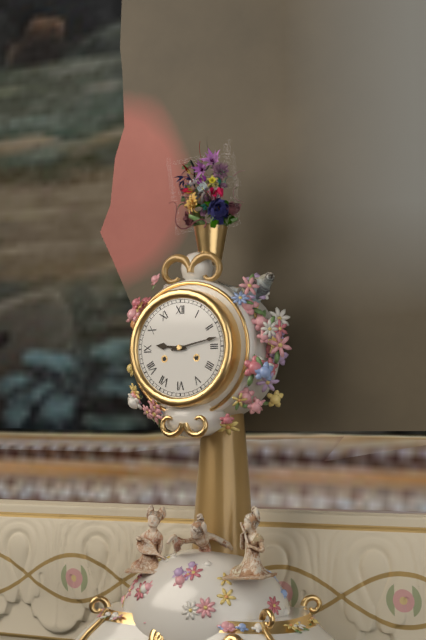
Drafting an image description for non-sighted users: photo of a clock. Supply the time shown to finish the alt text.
9:13
